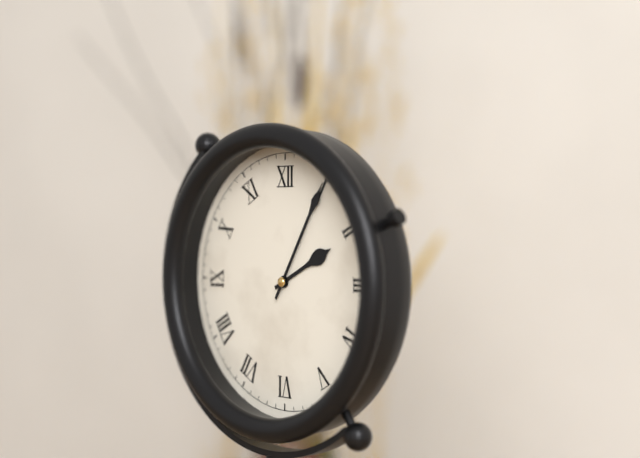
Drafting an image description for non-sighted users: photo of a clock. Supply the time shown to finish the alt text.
2:05
